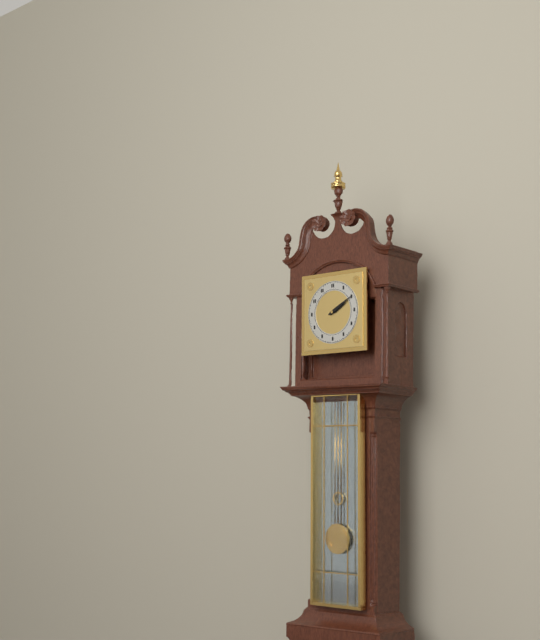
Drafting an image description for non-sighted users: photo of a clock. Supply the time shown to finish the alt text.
2:10
